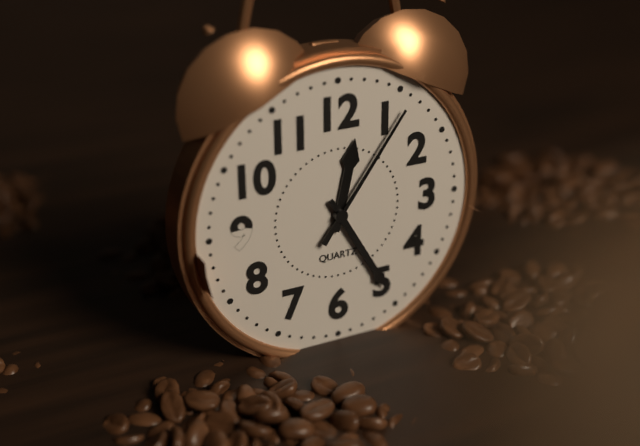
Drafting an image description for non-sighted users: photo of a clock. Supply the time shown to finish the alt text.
12:25:06
